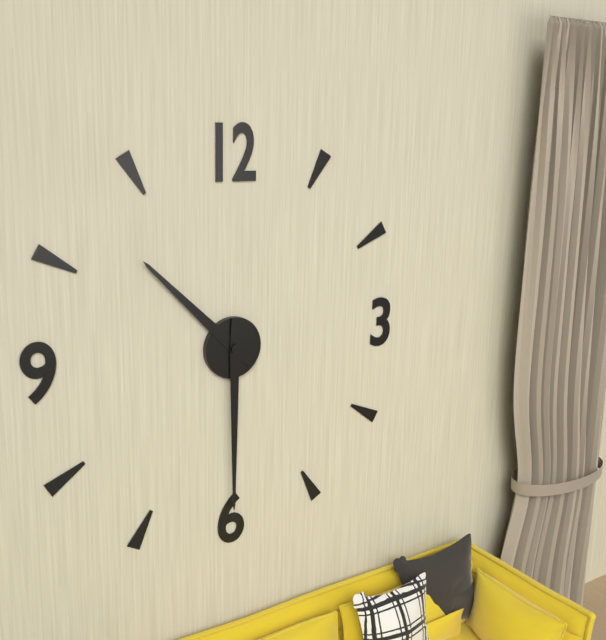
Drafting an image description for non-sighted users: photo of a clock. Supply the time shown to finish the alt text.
10:30
